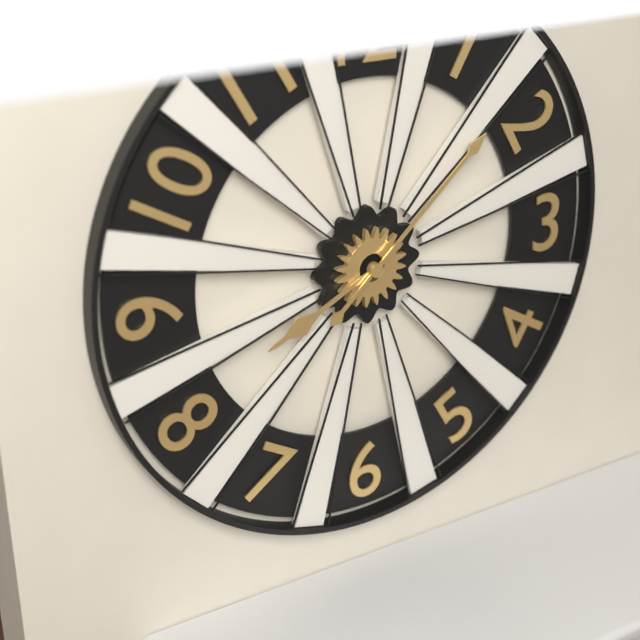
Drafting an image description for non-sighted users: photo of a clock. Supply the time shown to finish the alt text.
8:08
